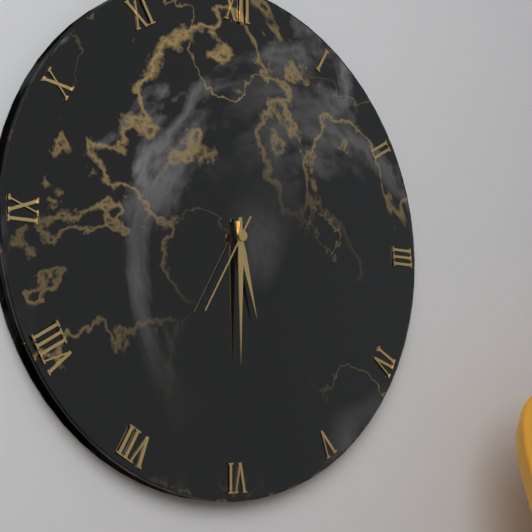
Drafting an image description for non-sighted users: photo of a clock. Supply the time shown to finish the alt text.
5:30:35
